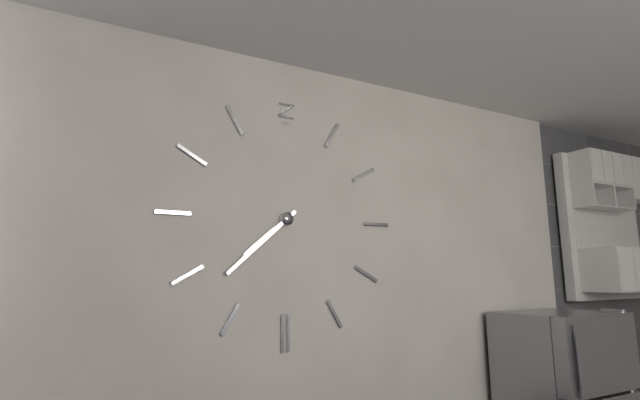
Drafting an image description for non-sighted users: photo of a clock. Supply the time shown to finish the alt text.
7:38
